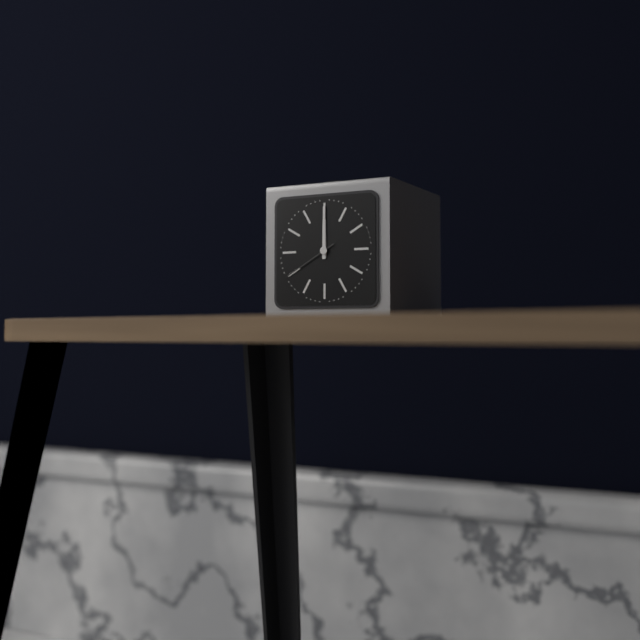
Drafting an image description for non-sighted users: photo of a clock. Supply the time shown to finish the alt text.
12:00:40
